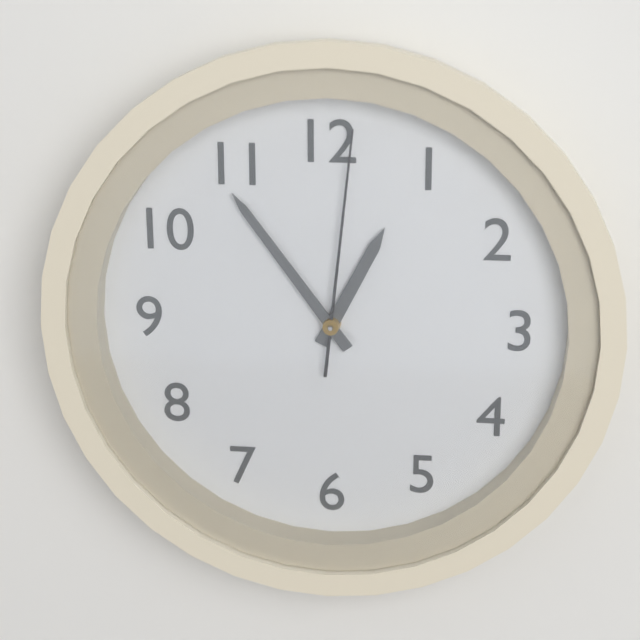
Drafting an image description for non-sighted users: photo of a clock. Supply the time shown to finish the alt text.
12:54:01
